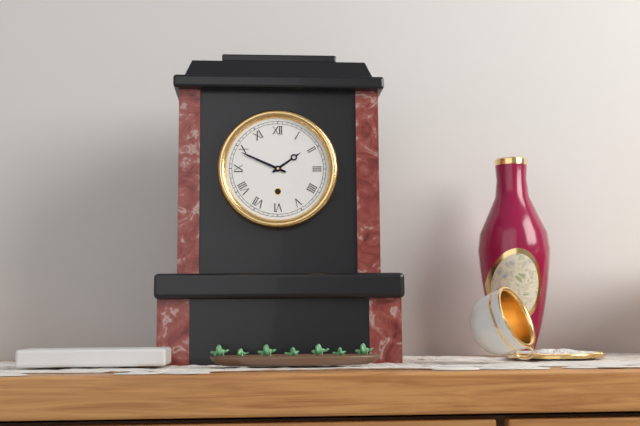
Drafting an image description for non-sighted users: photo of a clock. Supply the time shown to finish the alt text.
1:49
